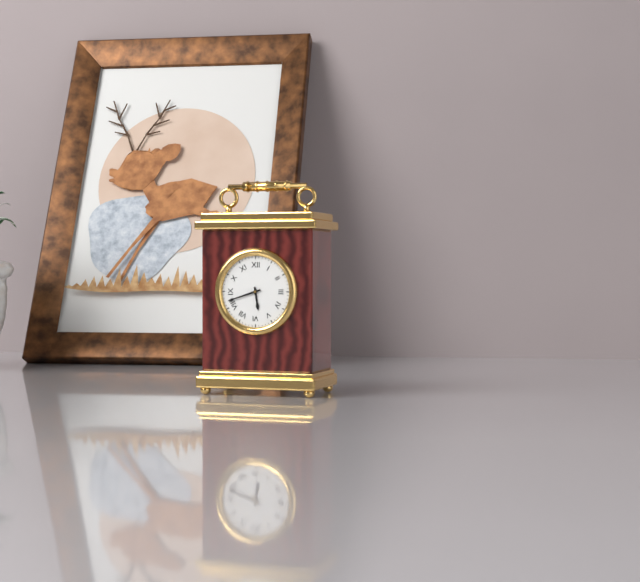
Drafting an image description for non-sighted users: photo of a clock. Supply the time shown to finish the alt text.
5:42
